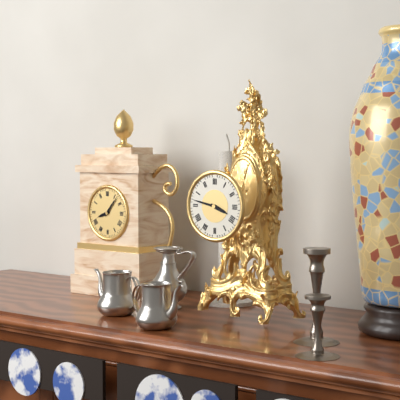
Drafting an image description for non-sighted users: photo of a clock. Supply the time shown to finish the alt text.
3:47
